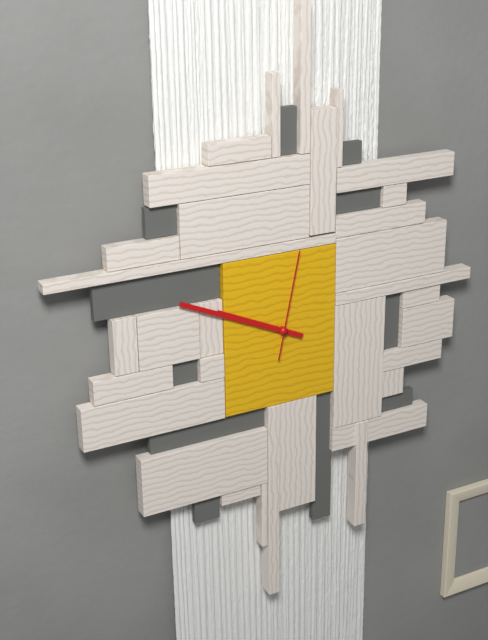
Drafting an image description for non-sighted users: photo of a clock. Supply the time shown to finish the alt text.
9:49:02
